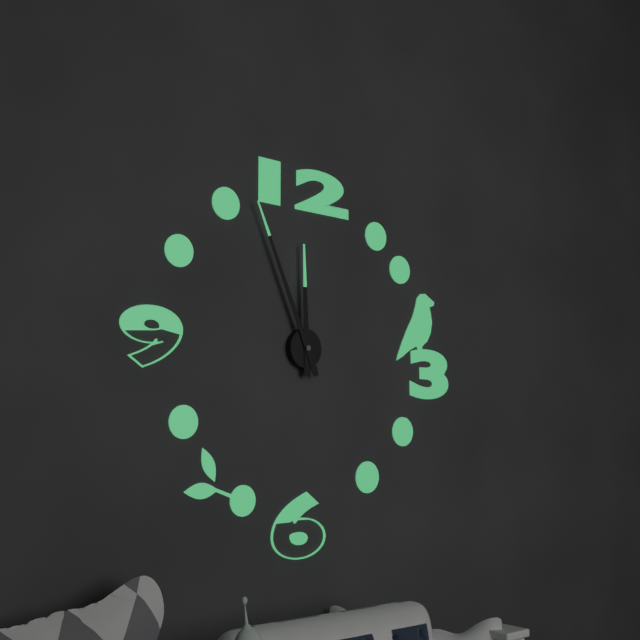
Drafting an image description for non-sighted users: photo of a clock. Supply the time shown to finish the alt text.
11:56
